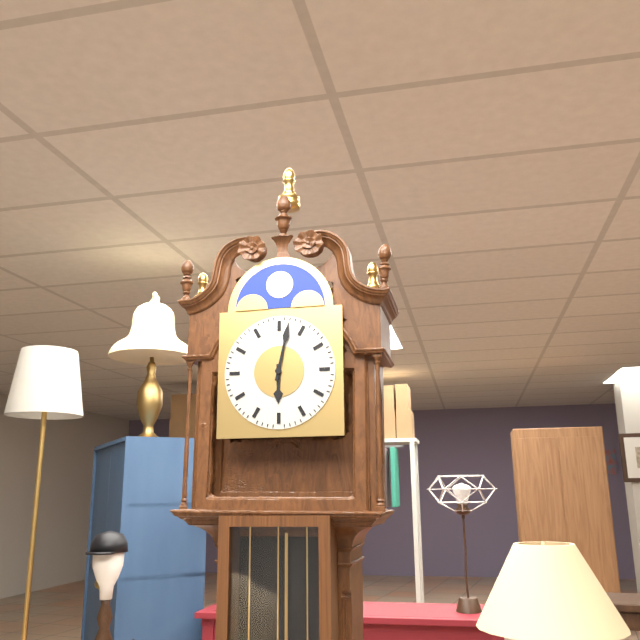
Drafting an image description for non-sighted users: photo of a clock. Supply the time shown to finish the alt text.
6:02
